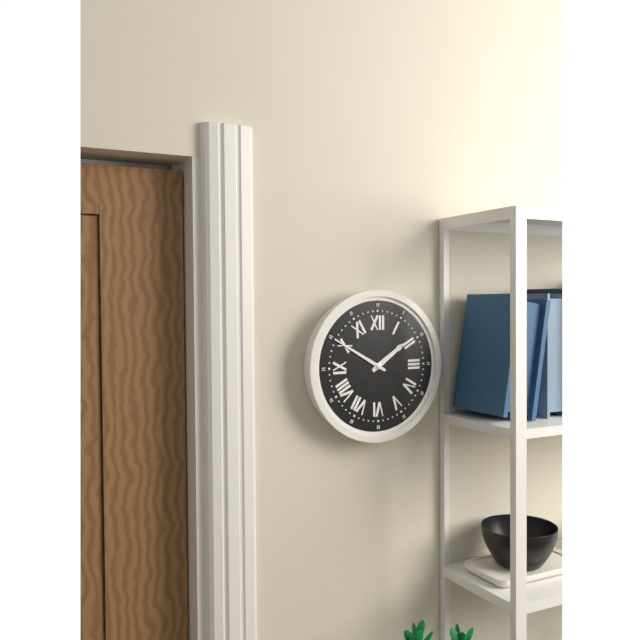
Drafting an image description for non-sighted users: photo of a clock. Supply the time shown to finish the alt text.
1:50
